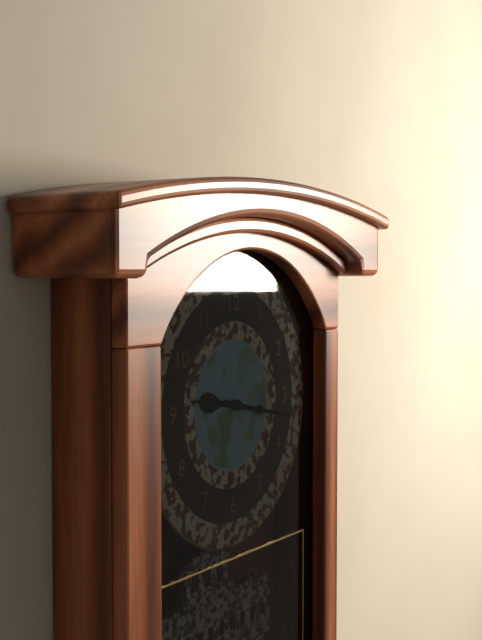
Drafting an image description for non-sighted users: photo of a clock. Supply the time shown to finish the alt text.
9:17
